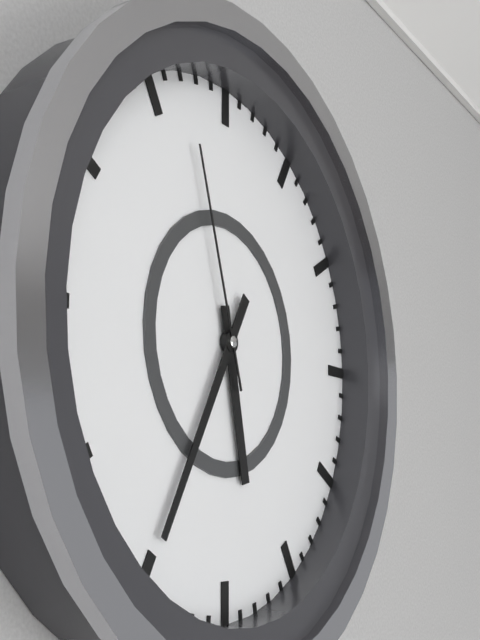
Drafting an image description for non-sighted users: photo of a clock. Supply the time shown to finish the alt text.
5:35:57
